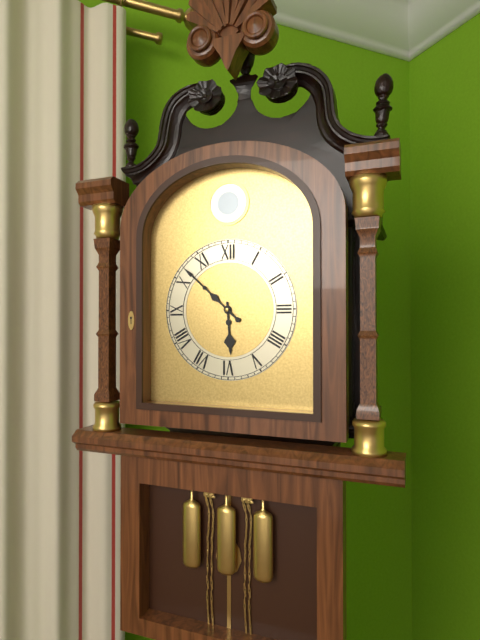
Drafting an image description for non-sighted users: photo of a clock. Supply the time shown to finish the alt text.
5:52
